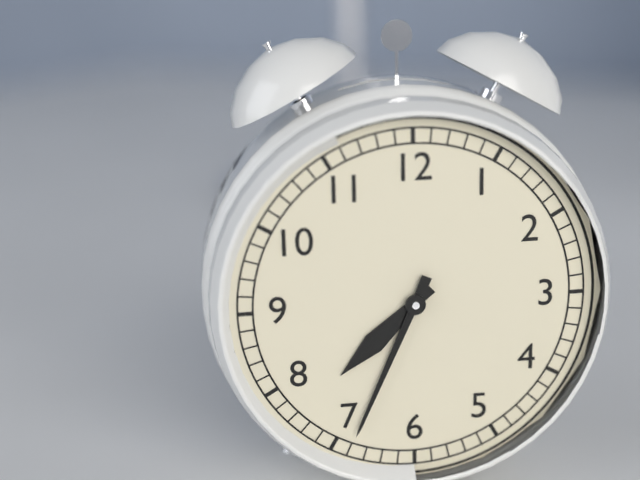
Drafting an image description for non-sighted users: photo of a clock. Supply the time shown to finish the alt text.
7:34
